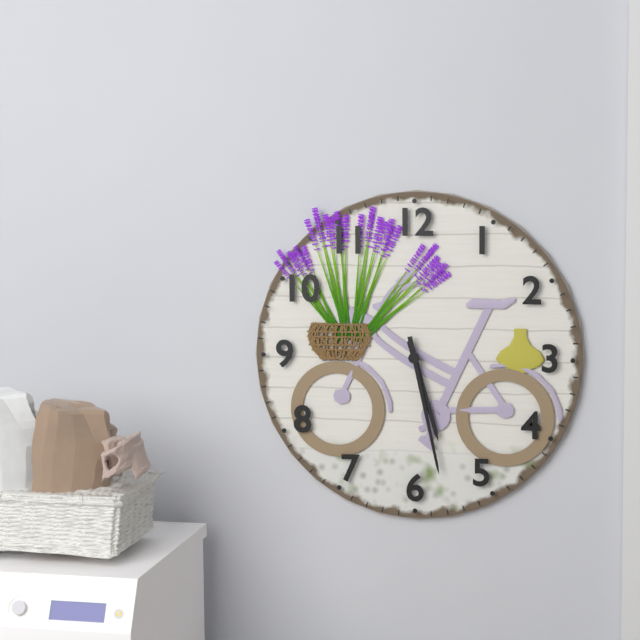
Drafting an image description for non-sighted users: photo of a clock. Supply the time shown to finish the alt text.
5:28
